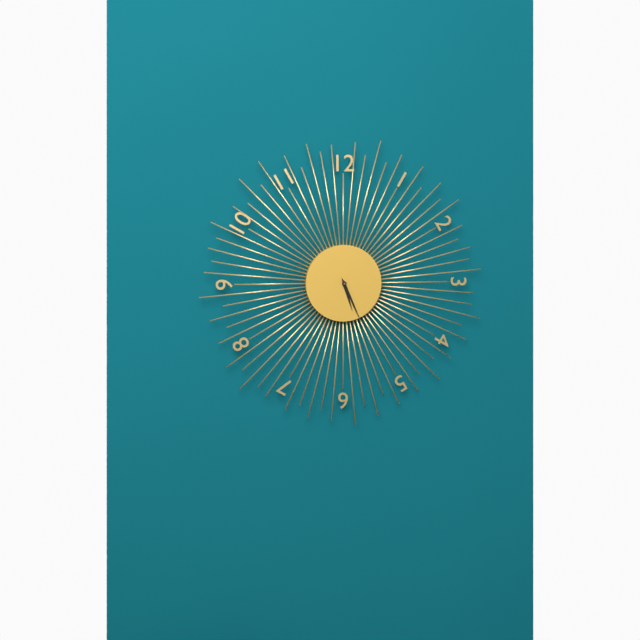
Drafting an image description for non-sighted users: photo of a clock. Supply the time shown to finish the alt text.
5:26
